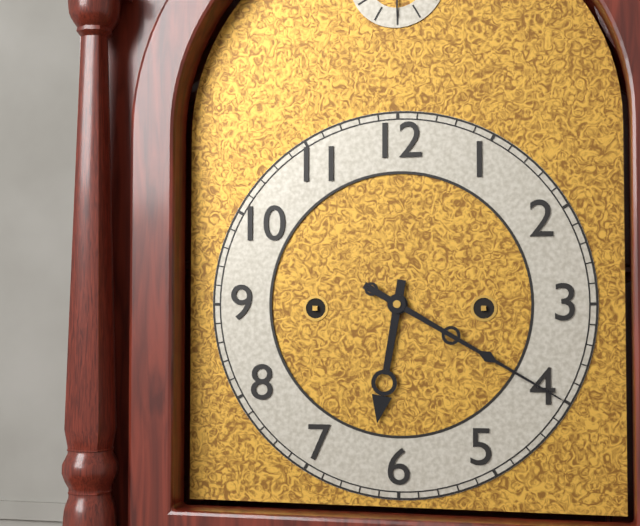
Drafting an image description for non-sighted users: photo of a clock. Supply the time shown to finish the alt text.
6:20
